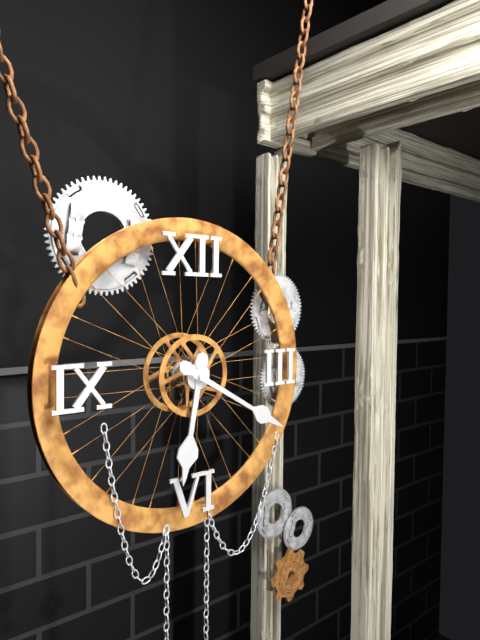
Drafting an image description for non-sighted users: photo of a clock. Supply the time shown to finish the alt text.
6:20
